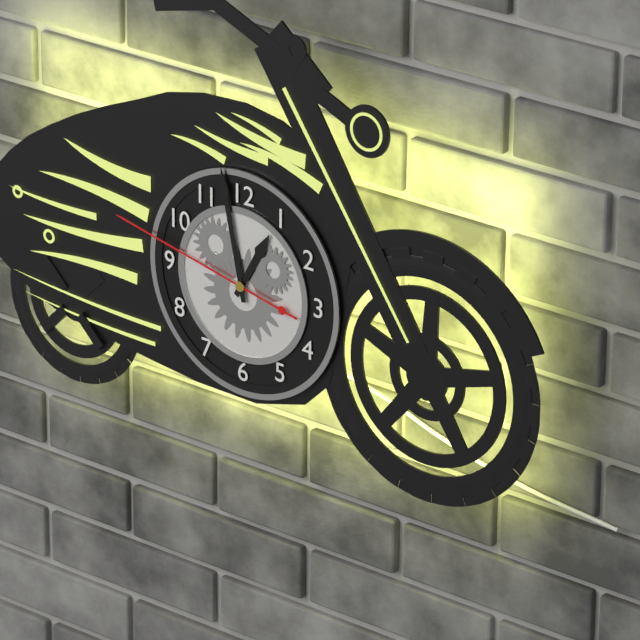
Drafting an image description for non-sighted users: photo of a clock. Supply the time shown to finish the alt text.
12:58:47
